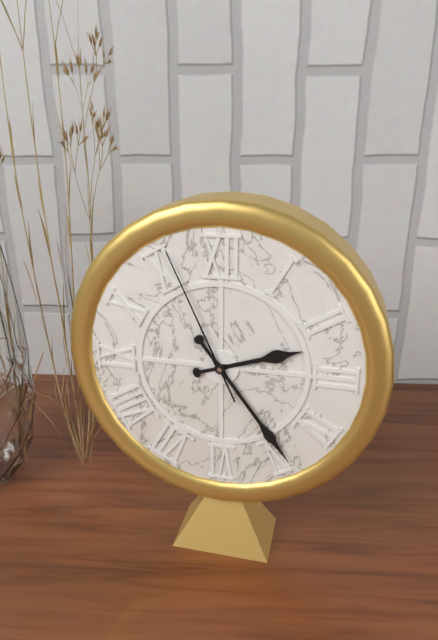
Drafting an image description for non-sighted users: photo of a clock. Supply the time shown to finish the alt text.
2:24:56
